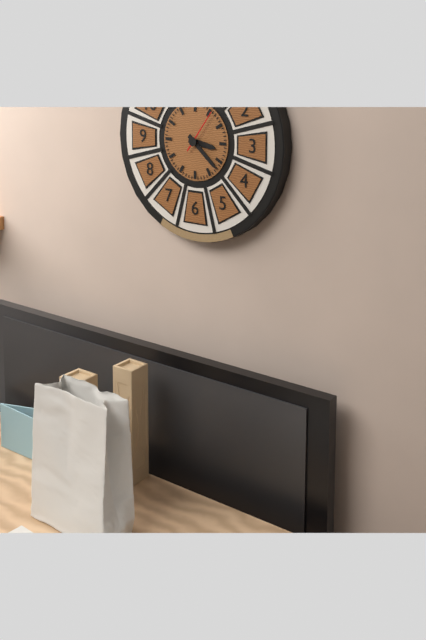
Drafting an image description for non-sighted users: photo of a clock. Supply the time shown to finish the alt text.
3:22
